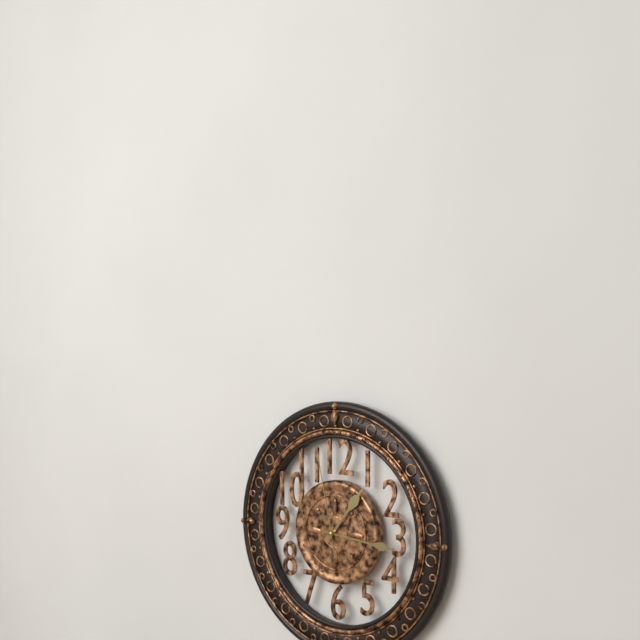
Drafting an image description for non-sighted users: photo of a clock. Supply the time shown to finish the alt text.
1:16:58
